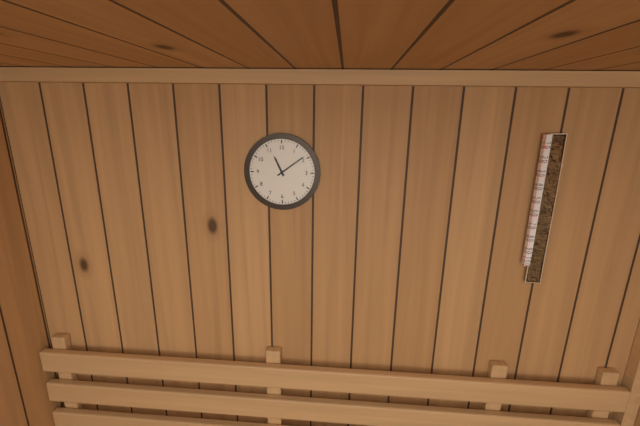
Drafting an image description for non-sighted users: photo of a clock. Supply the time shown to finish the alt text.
11:09
